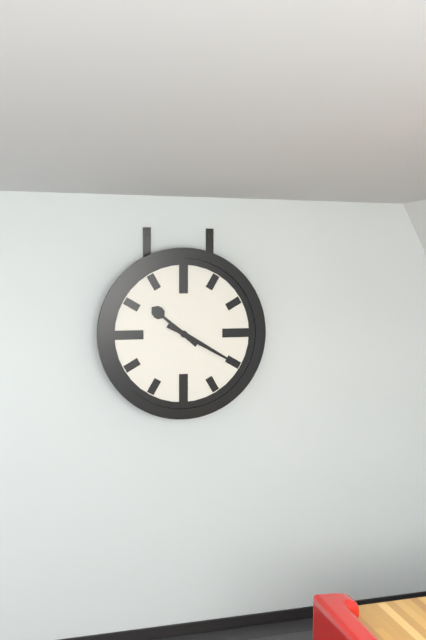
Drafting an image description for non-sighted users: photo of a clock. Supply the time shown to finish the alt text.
10:20
